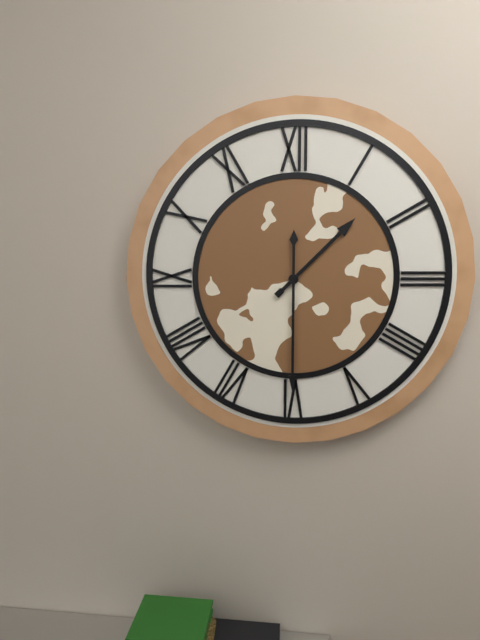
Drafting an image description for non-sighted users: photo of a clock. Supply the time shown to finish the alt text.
1:30
